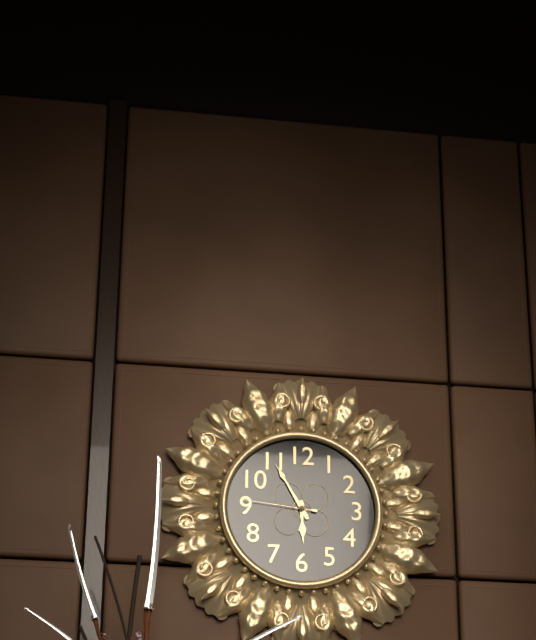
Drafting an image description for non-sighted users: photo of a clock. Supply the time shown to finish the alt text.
5:55:46
